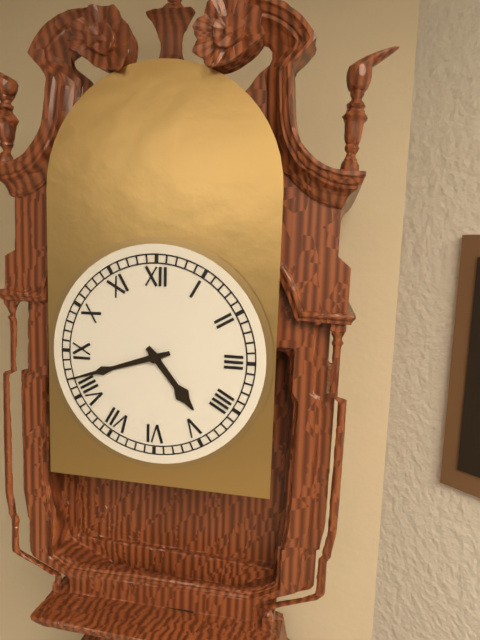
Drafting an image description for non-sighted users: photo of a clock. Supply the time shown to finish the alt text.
4:42
